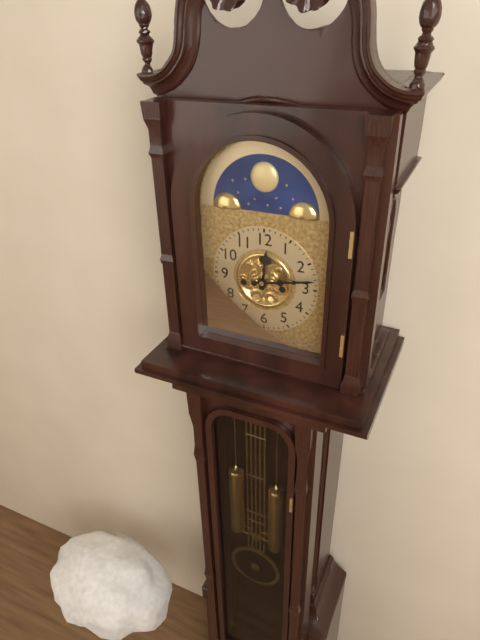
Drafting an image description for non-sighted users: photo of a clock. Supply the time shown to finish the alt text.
12:13
